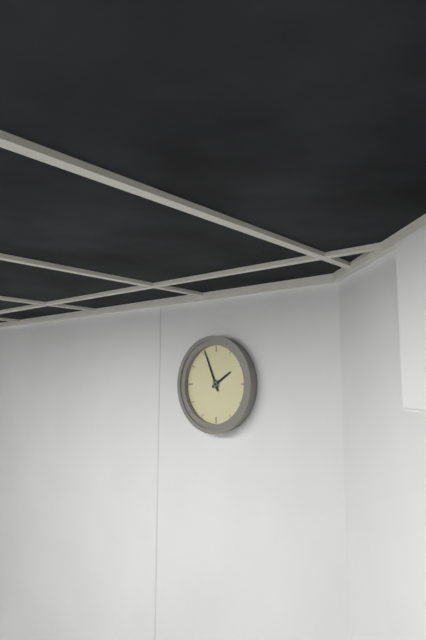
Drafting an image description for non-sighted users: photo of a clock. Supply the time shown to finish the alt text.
1:56
